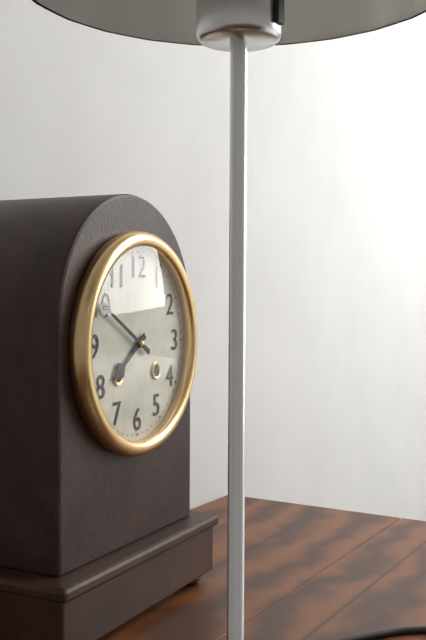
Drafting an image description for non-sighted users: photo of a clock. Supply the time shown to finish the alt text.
7:50
